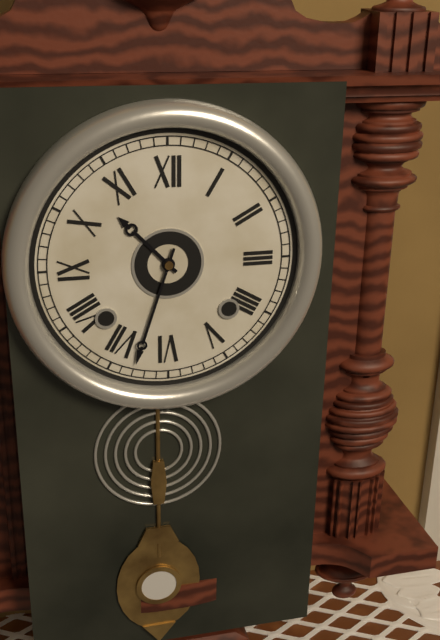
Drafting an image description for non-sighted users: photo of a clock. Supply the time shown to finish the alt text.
10:33
